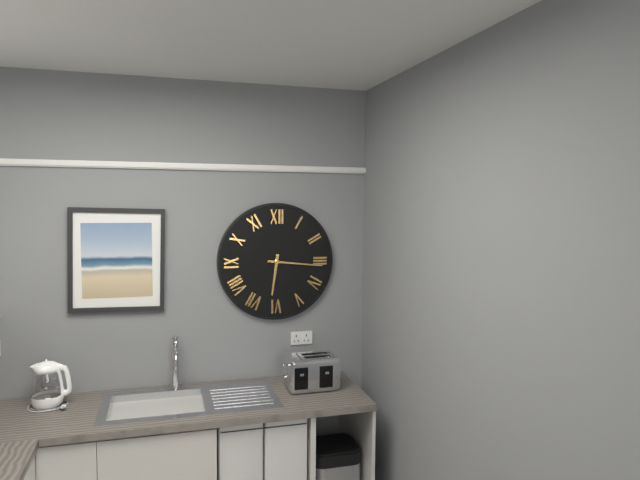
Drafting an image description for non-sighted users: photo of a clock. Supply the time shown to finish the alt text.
6:16
